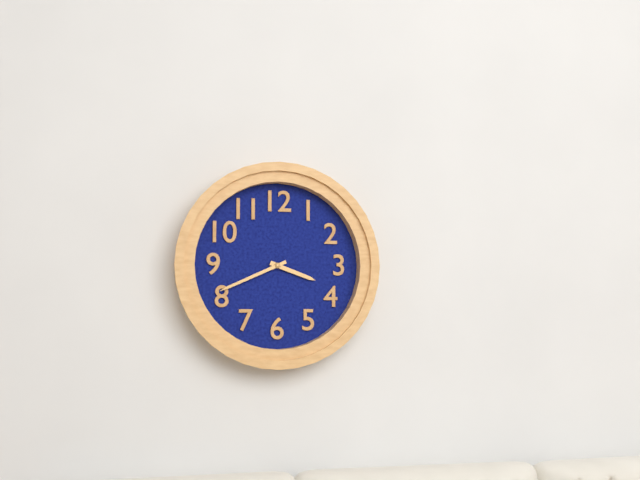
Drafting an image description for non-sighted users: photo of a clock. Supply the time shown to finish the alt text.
3:41
